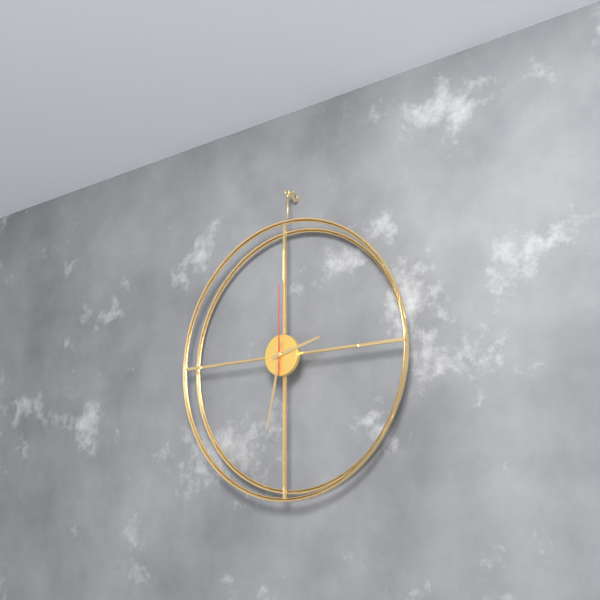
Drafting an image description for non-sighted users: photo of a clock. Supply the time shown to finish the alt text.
2:32:00
